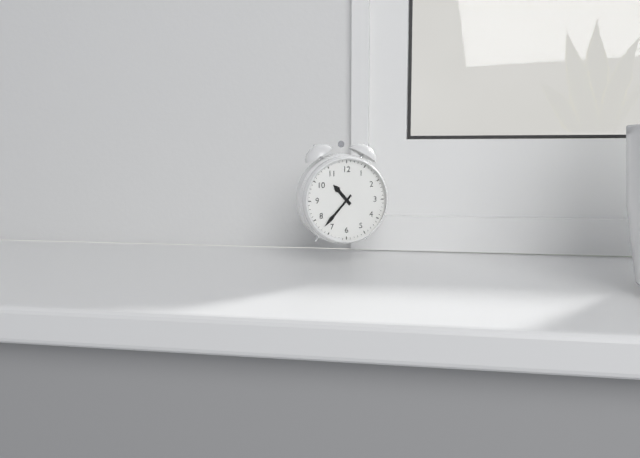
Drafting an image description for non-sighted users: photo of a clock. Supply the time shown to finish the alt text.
10:37
